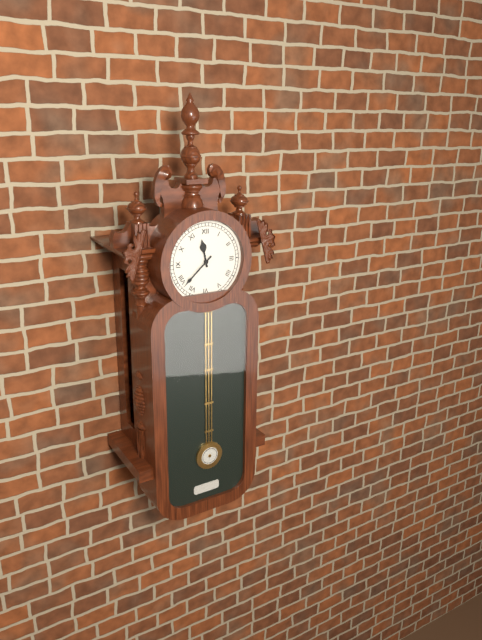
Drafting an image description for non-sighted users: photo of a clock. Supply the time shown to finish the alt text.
11:38
